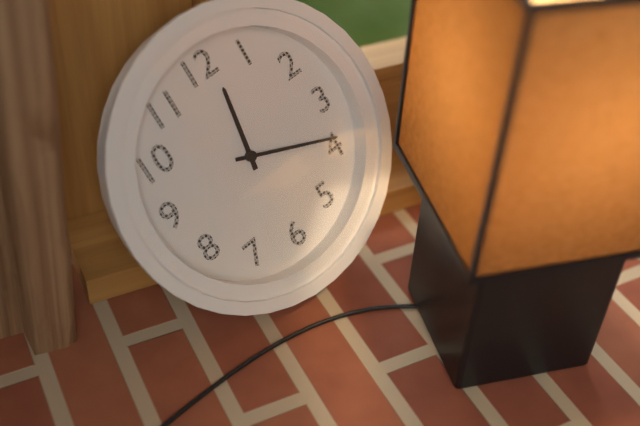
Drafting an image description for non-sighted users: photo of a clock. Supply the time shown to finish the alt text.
12:19
